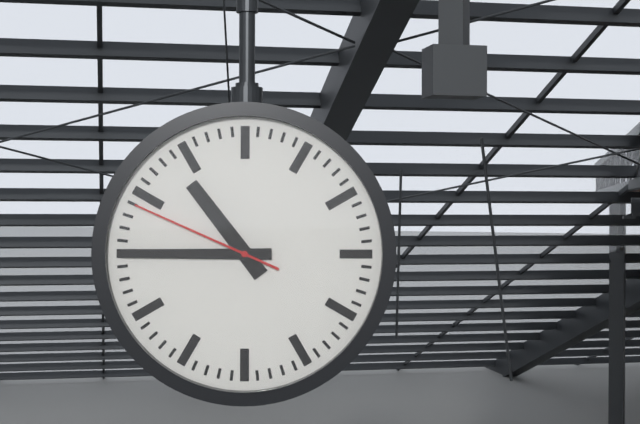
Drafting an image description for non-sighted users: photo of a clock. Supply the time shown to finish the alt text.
10:45:49
